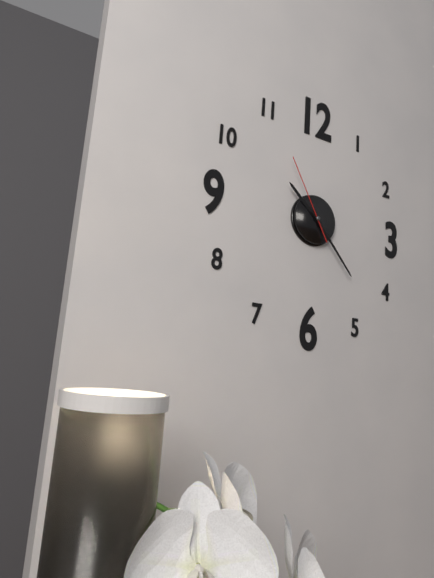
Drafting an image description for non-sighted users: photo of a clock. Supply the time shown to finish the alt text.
10:23:55
